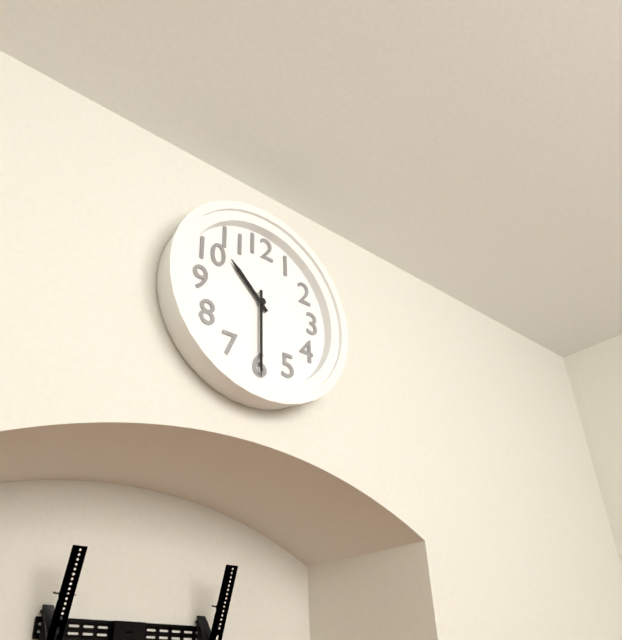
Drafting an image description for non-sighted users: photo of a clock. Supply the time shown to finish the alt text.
10:30
